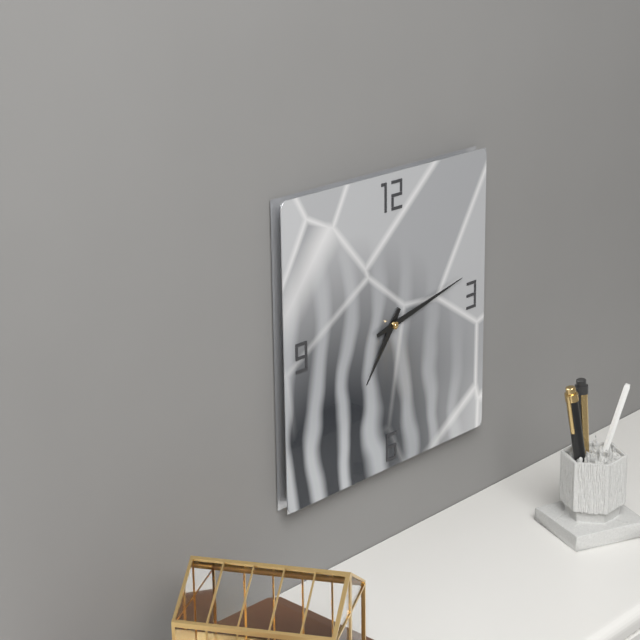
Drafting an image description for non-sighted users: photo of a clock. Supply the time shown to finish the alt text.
7:13
